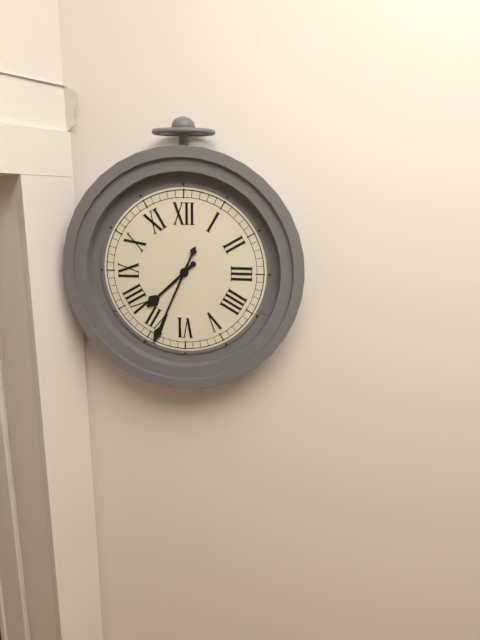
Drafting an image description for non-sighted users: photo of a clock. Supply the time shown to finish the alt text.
7:34
